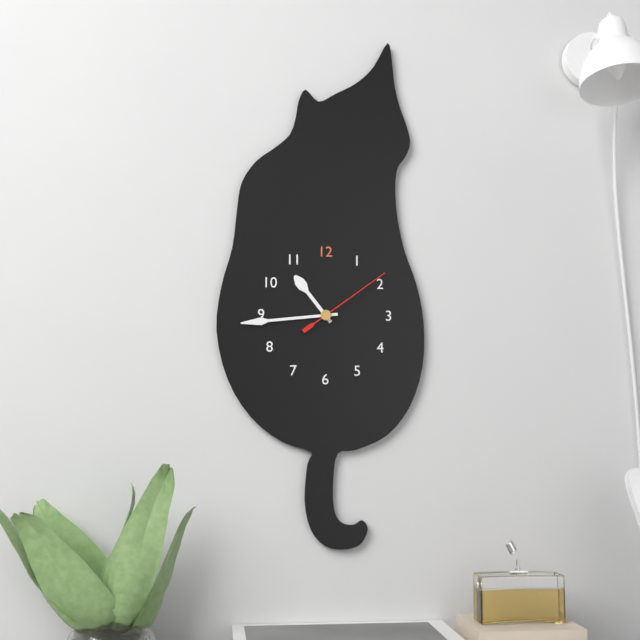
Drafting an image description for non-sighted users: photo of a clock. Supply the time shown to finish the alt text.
10:44:09
